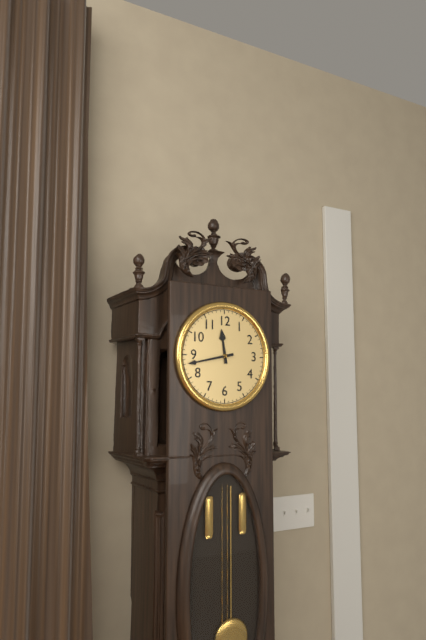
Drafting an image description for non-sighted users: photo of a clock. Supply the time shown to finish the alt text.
11:43
